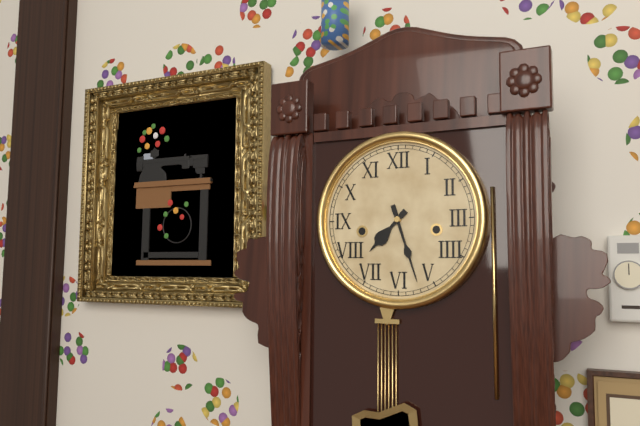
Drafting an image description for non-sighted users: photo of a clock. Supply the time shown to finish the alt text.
7:27
